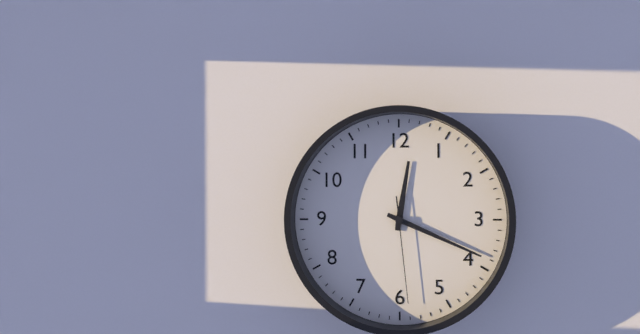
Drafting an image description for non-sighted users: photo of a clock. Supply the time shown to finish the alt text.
12:19:29
